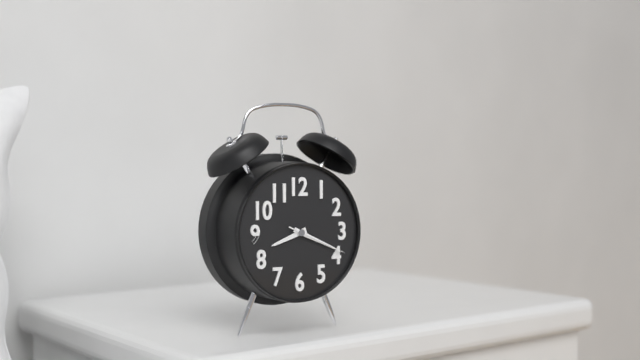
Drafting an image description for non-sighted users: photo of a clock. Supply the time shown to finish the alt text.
8:19:19
